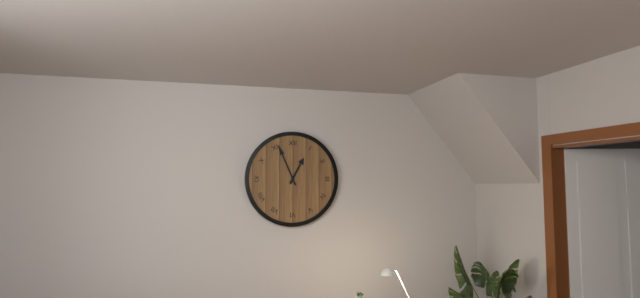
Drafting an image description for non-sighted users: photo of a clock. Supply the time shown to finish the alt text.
12:56
